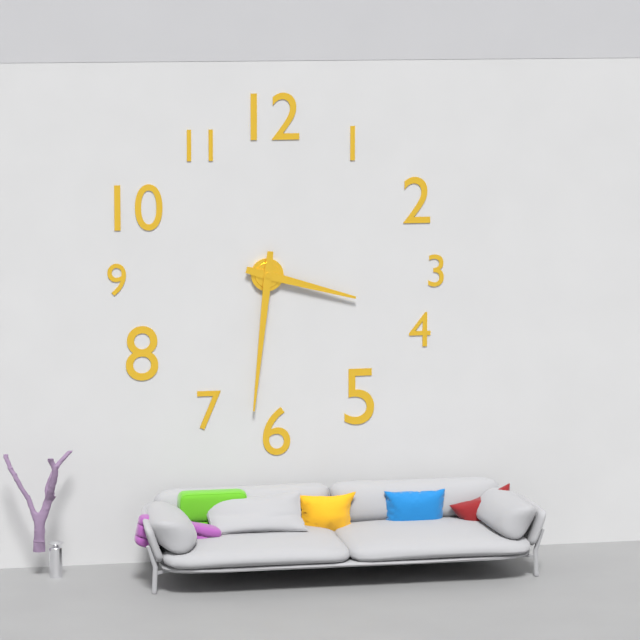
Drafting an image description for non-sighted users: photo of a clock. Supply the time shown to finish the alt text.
3:31
